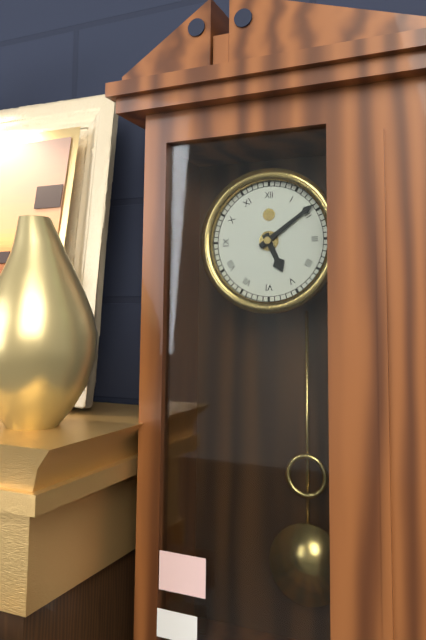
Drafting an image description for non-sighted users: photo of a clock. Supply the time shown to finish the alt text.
5:09
